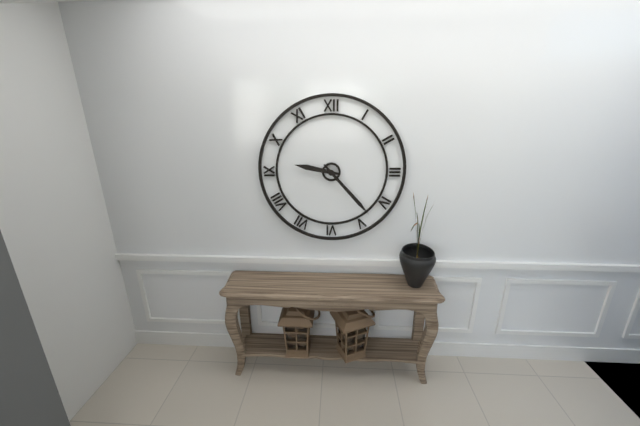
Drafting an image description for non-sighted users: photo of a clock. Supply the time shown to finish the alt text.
9:23
